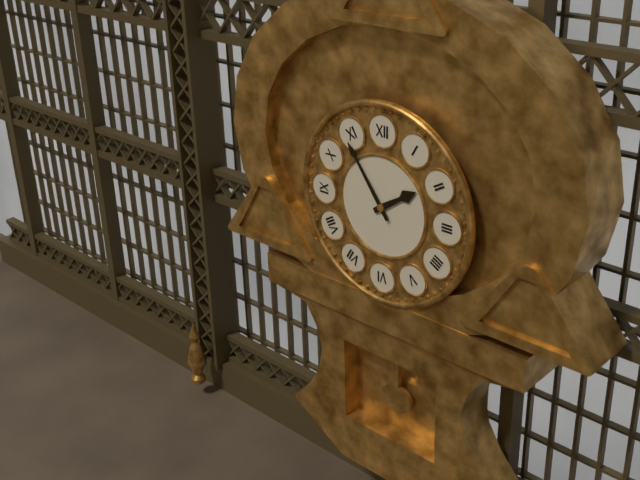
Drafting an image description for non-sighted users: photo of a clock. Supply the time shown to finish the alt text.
1:54
